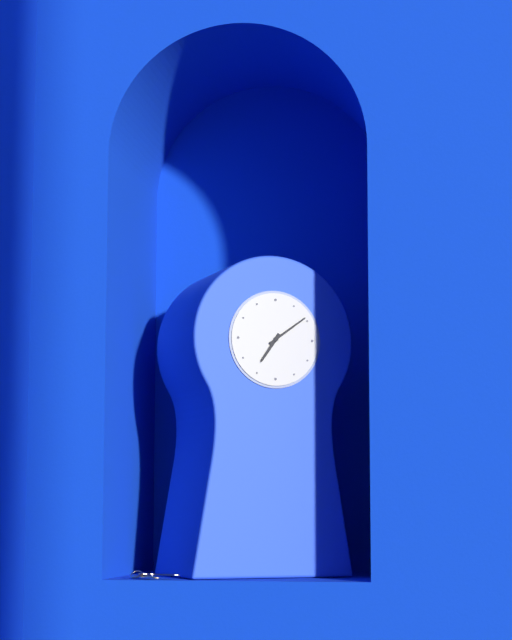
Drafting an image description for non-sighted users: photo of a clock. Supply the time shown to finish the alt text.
7:09
